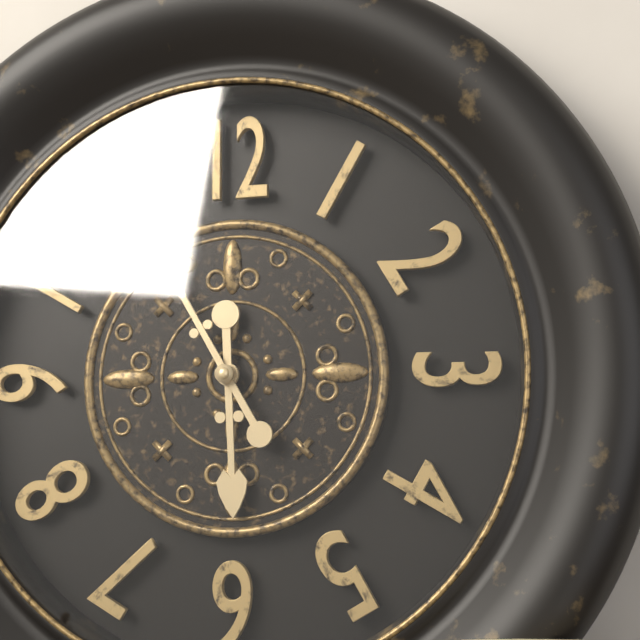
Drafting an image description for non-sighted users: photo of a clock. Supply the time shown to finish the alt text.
5:55
